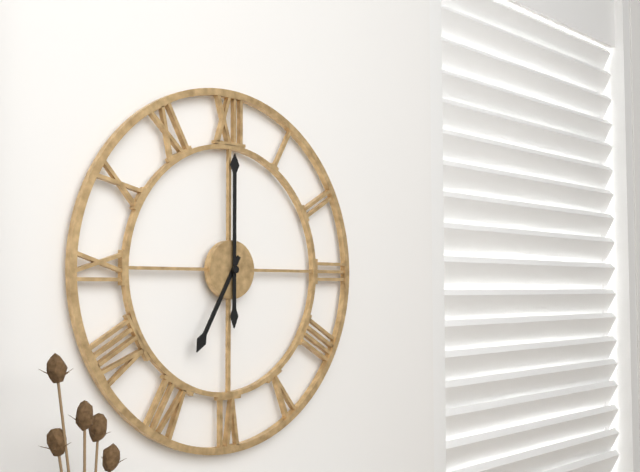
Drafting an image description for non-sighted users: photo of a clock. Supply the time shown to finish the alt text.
7:00
